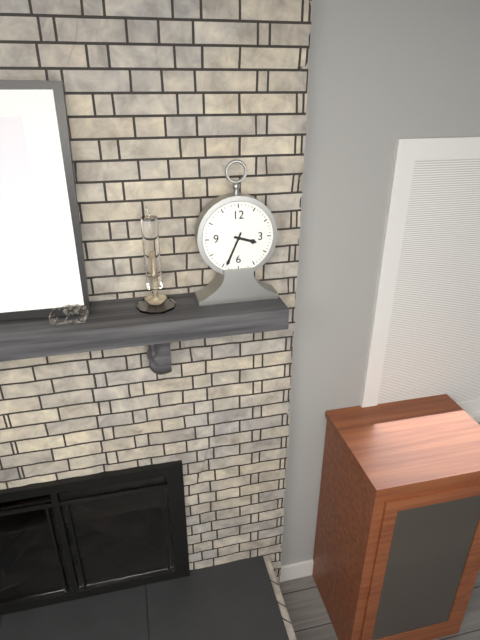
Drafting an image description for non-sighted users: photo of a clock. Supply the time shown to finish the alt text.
3:34
